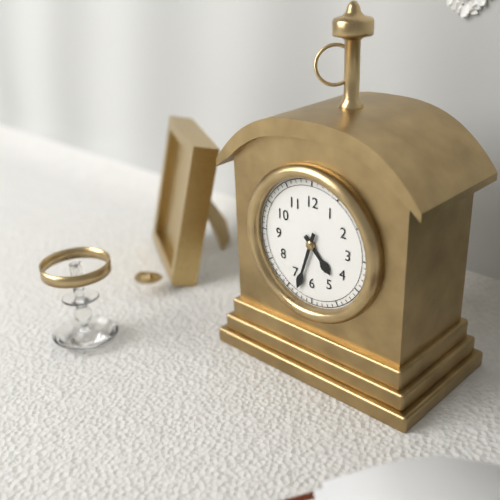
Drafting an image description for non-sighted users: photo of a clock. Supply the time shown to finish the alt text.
4:33
